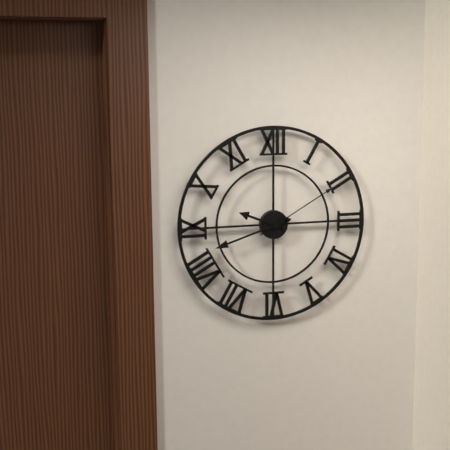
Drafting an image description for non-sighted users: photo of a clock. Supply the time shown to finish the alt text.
9:42:10
